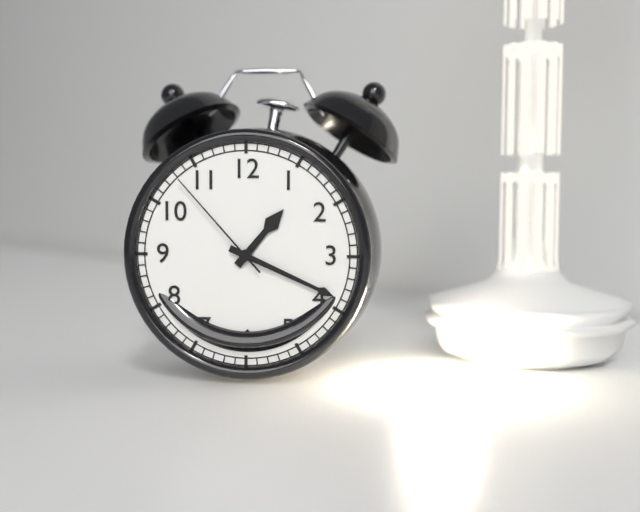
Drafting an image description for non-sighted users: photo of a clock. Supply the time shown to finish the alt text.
1:19:53
